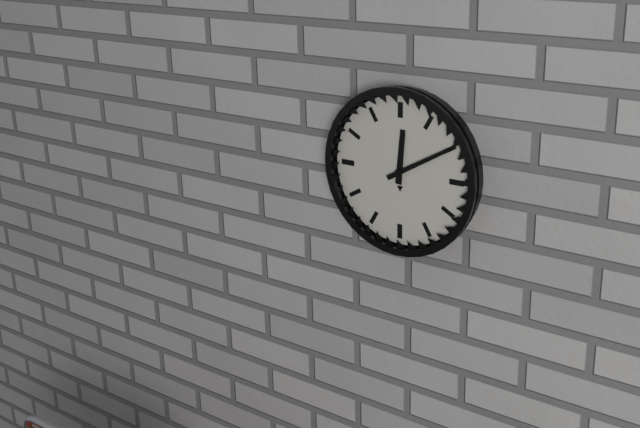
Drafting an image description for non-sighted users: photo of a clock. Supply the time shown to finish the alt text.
12:10
